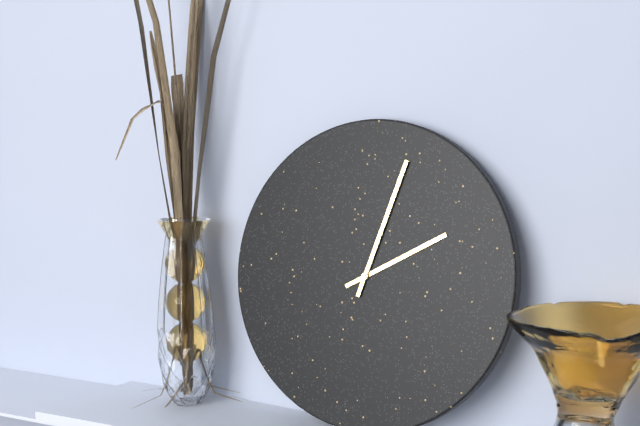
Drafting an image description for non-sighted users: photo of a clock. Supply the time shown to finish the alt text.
2:03
